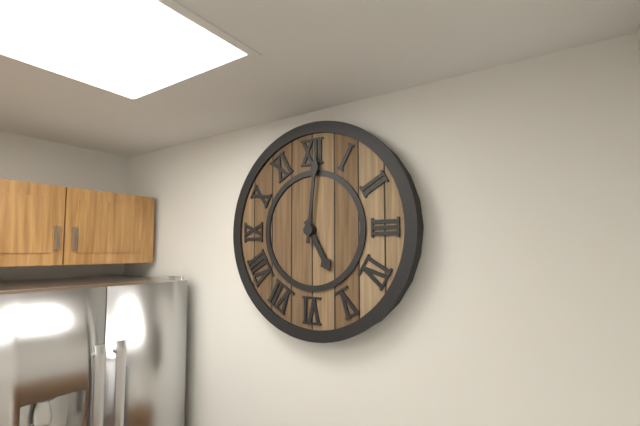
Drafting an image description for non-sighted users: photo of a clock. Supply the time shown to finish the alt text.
5:01
